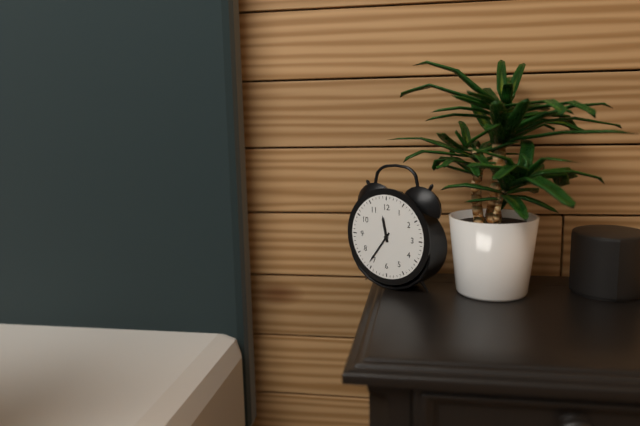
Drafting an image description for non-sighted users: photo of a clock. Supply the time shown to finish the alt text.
11:36
